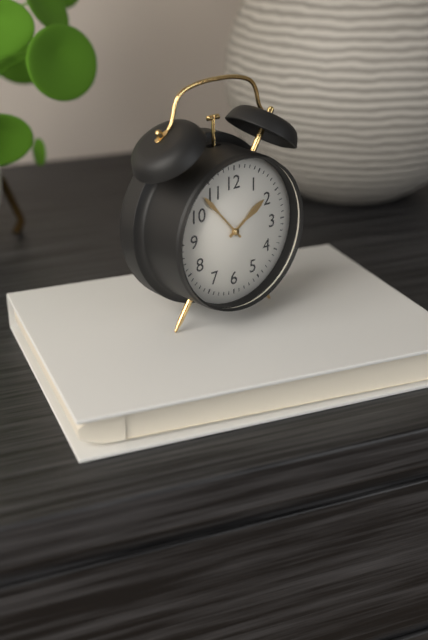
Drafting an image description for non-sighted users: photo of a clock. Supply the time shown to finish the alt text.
1:53
